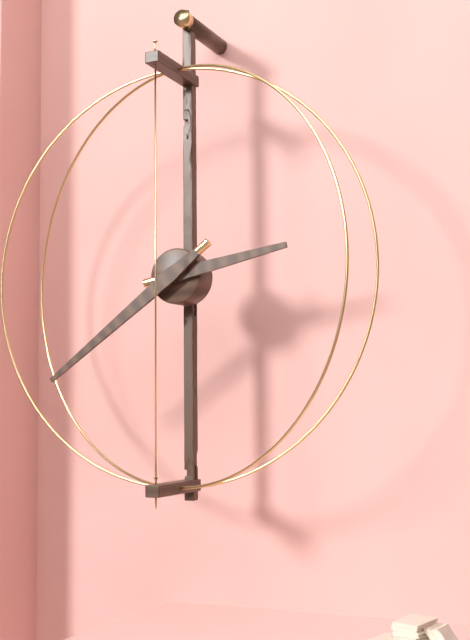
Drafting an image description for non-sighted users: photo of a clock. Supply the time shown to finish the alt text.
2:39
